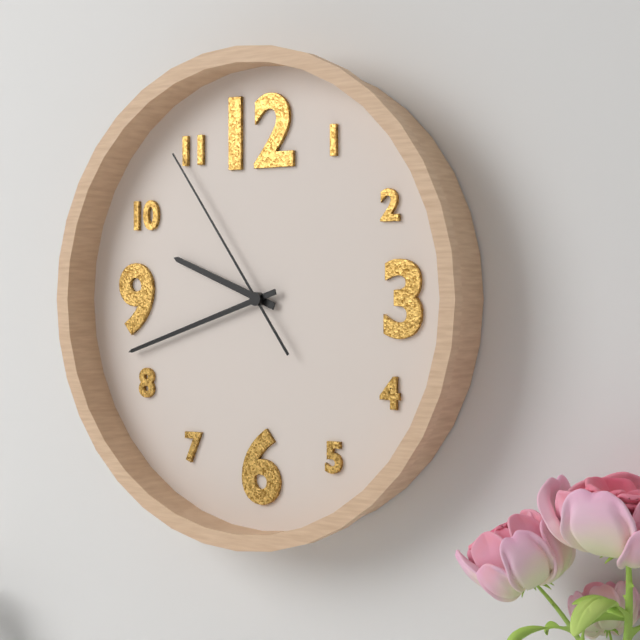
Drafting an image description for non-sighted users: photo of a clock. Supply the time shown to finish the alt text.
9:42:54
